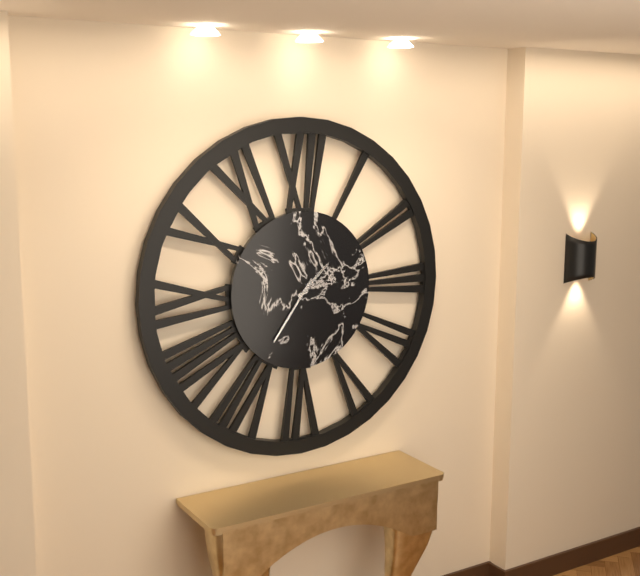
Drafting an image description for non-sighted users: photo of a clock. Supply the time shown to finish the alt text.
1:36
